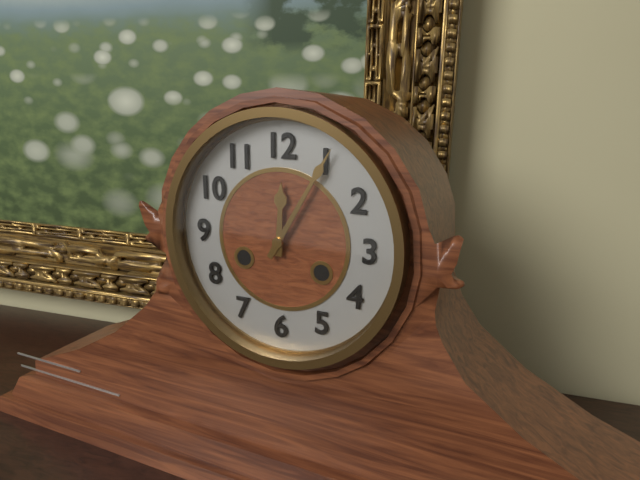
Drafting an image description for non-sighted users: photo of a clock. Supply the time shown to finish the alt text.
12:05
